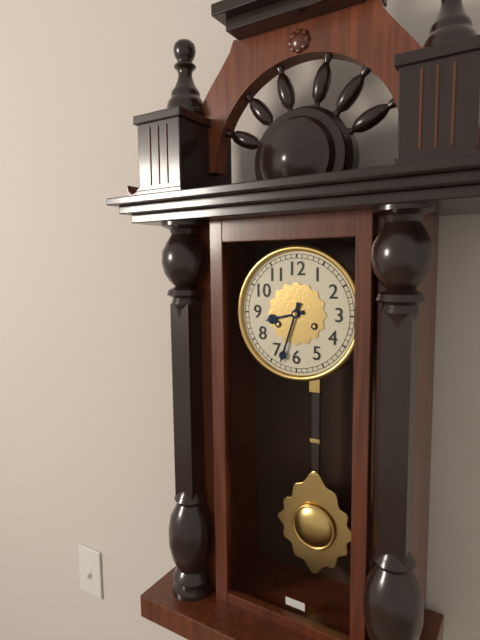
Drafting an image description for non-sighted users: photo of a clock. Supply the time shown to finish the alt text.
8:33
